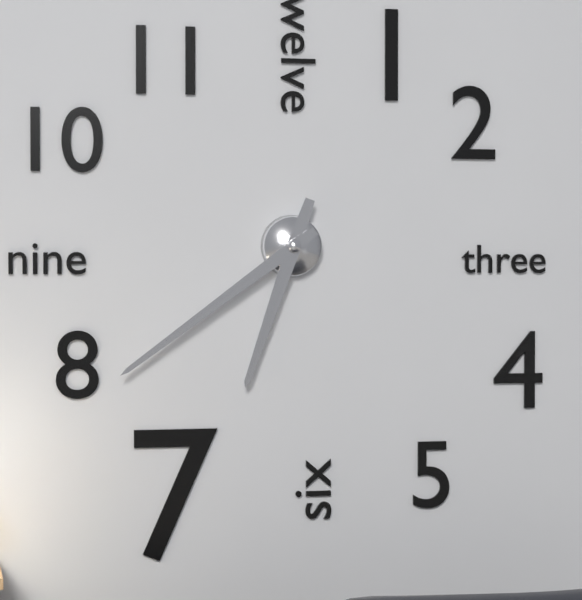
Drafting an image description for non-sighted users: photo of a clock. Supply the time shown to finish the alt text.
6:39
